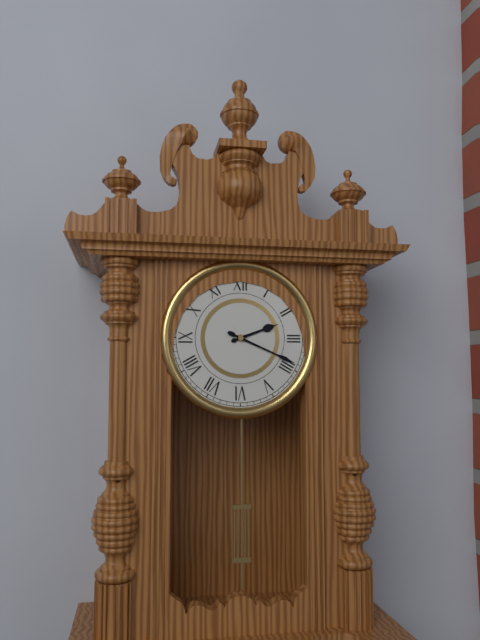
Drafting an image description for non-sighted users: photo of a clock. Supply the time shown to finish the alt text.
2:19
